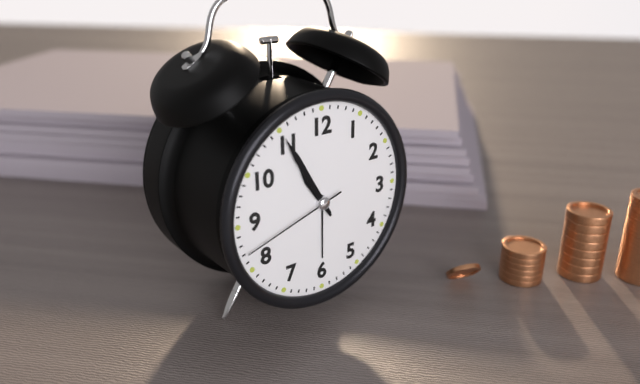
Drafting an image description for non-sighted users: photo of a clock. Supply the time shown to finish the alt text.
10:55:42
